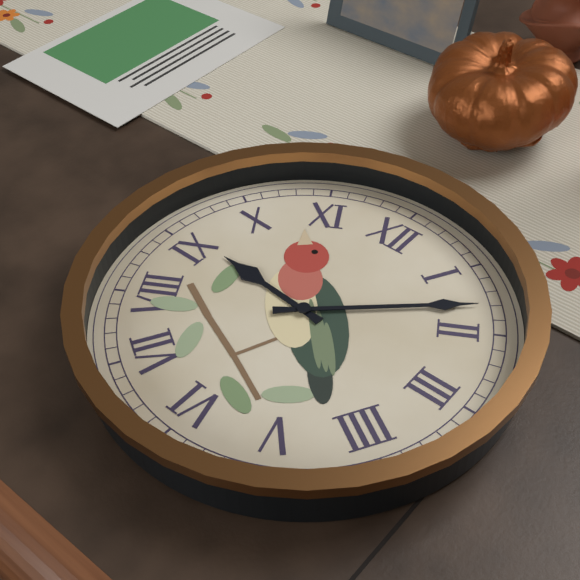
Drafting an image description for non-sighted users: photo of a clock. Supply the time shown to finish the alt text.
9:08
